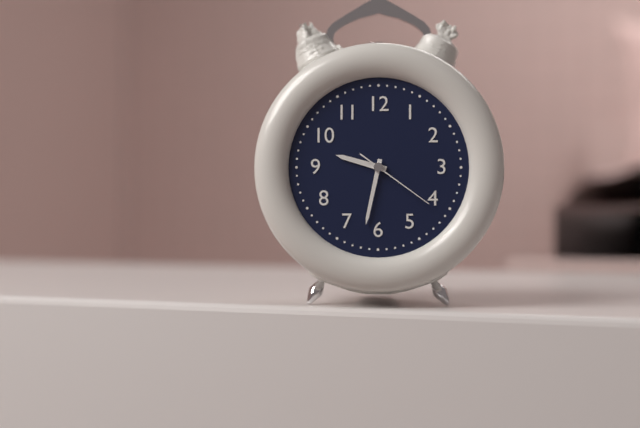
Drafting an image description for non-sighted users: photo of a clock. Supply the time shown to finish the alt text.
9:32:21
